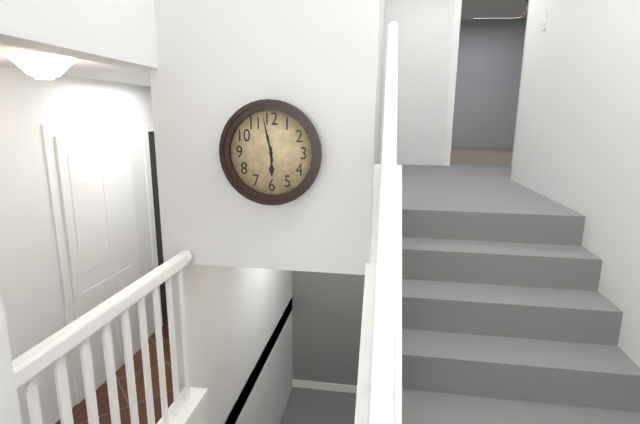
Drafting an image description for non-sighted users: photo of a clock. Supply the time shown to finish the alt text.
5:58
